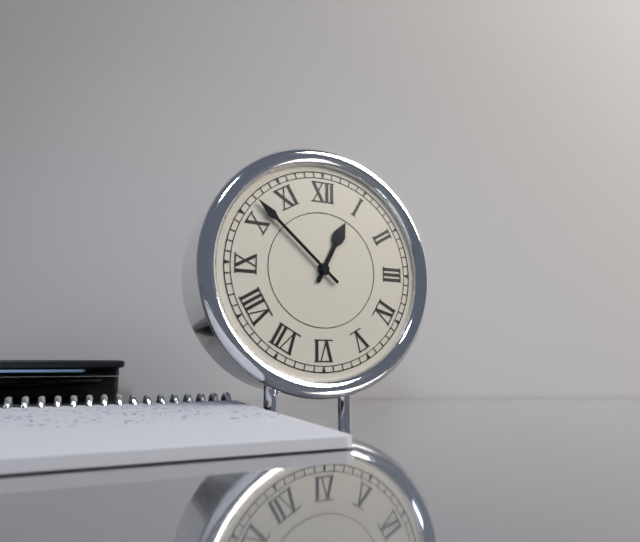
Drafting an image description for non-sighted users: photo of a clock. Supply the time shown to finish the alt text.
12:52
